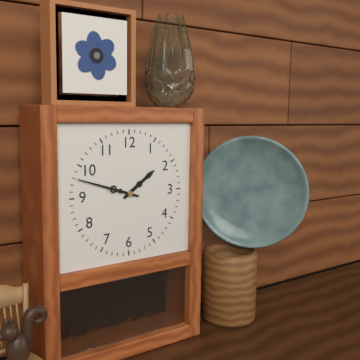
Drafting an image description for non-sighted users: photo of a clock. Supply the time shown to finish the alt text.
1:48
